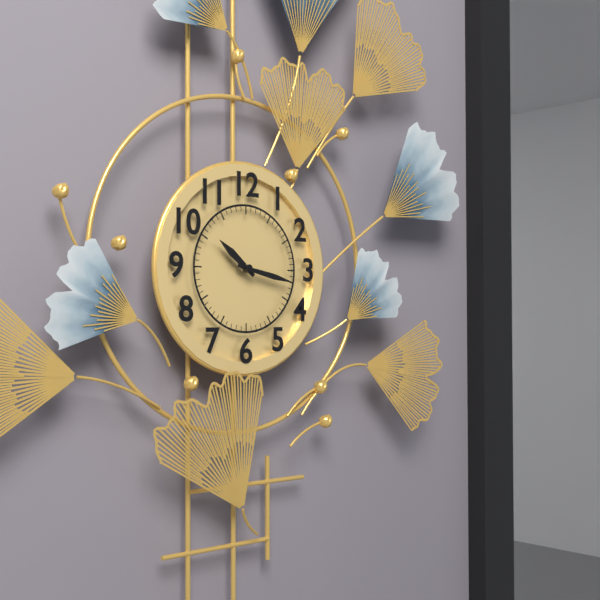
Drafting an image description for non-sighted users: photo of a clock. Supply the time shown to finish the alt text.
10:17
